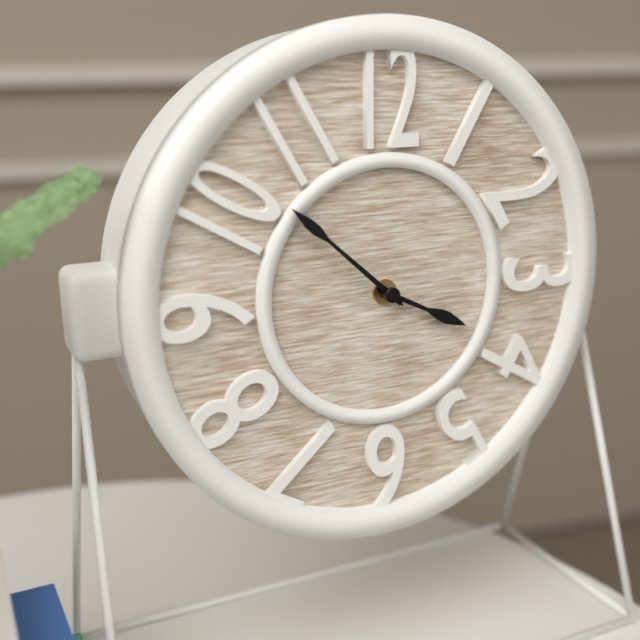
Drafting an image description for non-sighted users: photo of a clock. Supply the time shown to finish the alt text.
3:52
